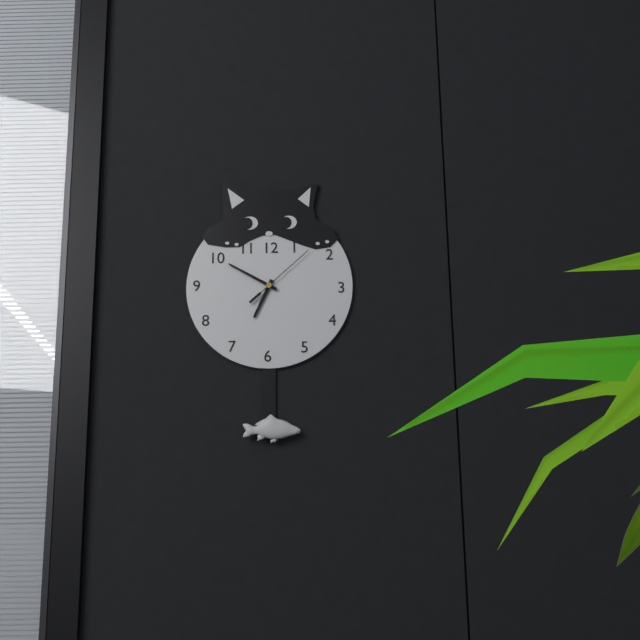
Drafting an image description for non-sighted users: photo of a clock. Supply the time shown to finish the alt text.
6:50:08
